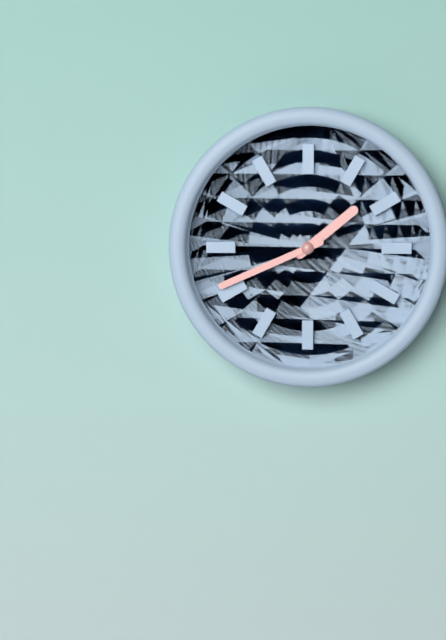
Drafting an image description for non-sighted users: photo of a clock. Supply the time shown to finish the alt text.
1:41
